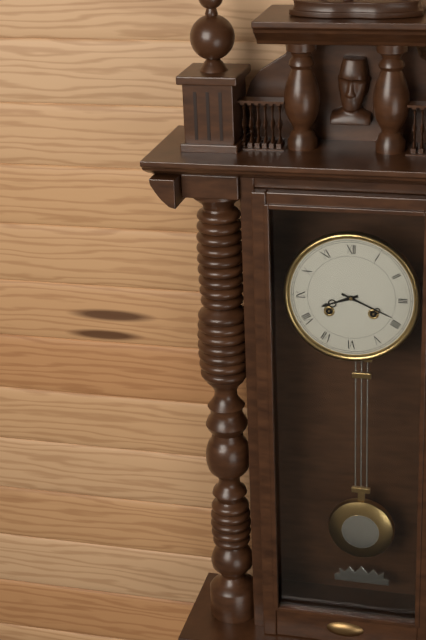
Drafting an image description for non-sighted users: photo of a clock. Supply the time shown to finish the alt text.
8:19
